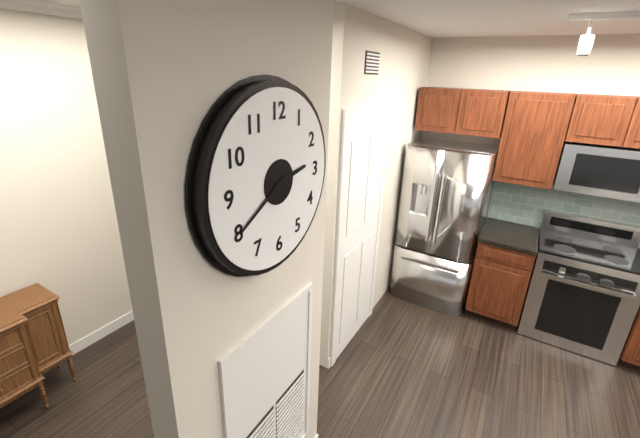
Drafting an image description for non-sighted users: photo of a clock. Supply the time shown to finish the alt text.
2:40
